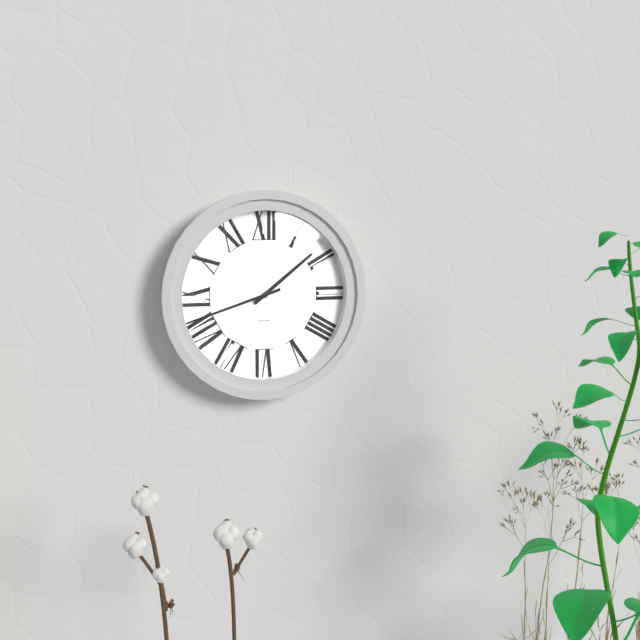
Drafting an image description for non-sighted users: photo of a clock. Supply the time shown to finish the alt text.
1:42
